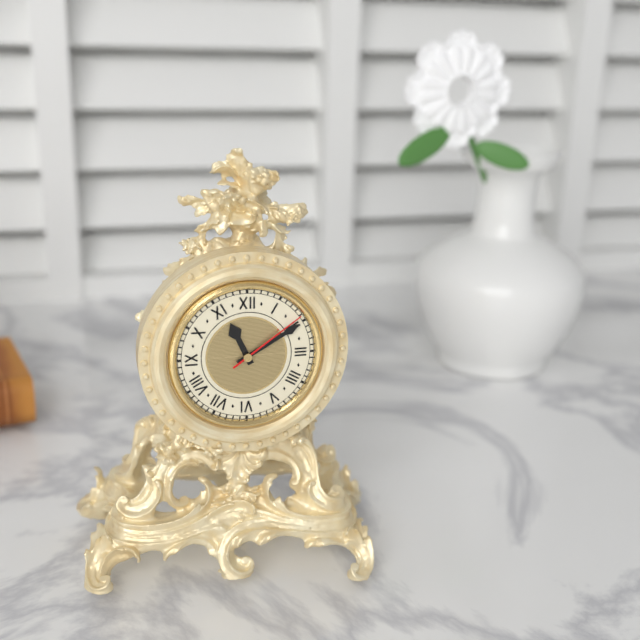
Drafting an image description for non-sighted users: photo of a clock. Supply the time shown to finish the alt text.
11:10:09
